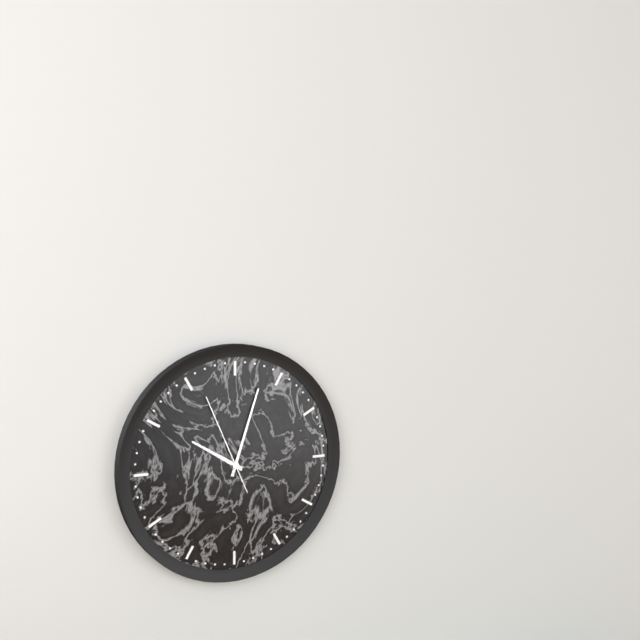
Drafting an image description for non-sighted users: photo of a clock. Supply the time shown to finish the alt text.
10:03:56
